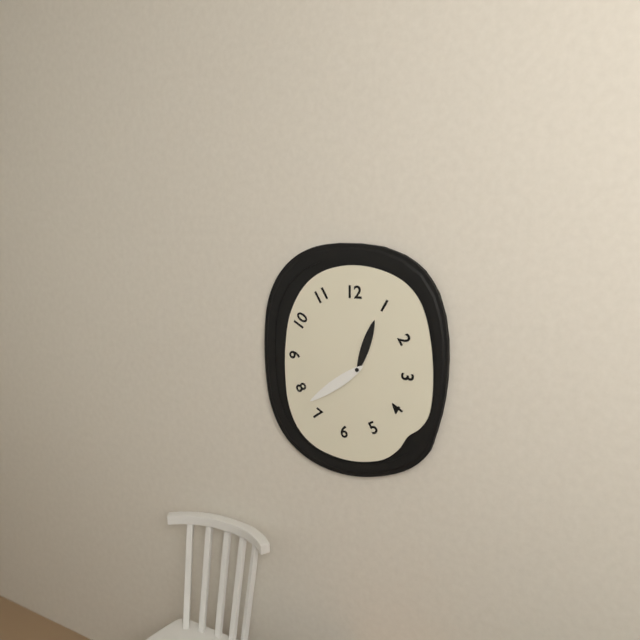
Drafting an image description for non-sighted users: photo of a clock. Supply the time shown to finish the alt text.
12:39
